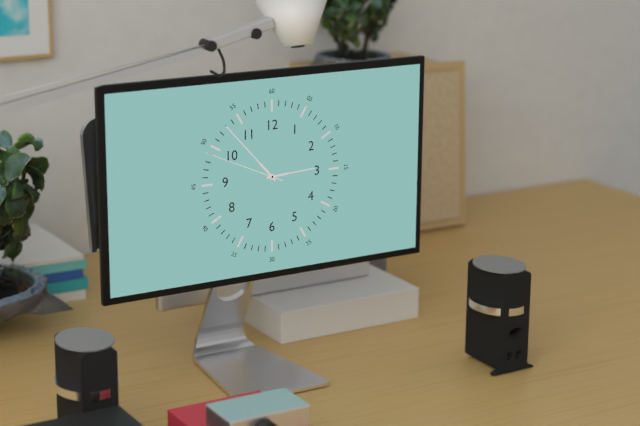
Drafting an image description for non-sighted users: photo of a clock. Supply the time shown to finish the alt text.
2:53:49
